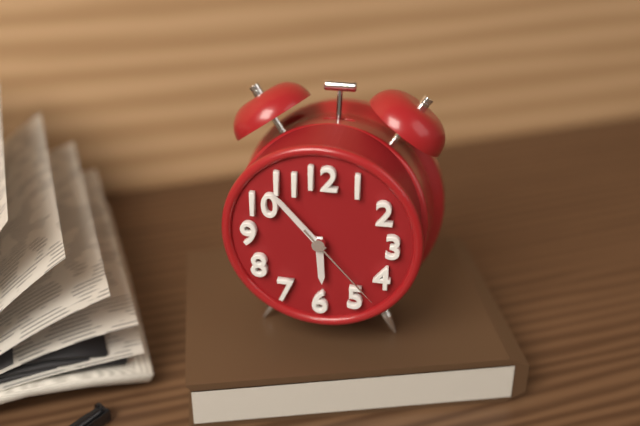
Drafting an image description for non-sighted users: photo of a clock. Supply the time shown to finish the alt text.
5:53:23
